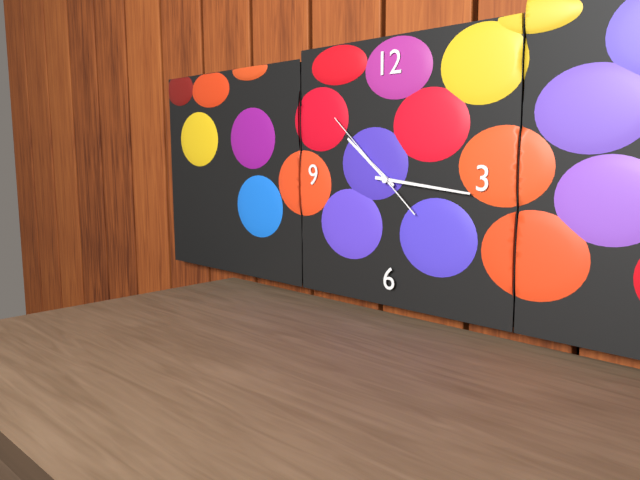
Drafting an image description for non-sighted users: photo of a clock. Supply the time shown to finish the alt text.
10:16:52
